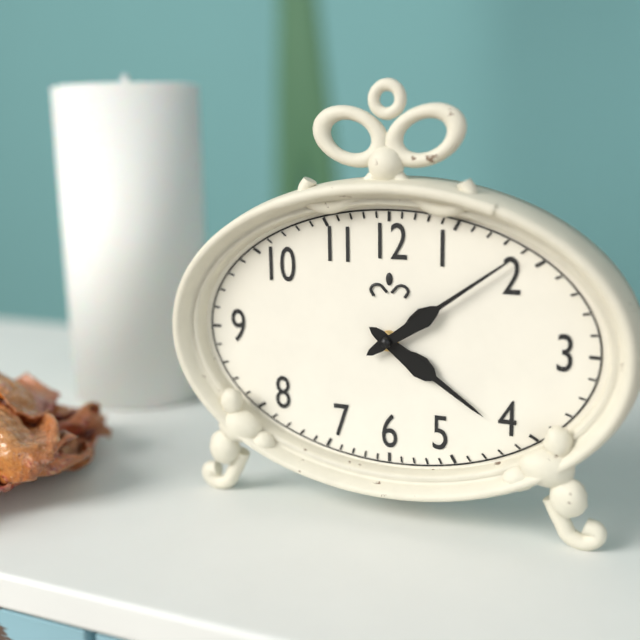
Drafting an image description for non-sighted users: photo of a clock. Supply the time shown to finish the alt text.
4:09
